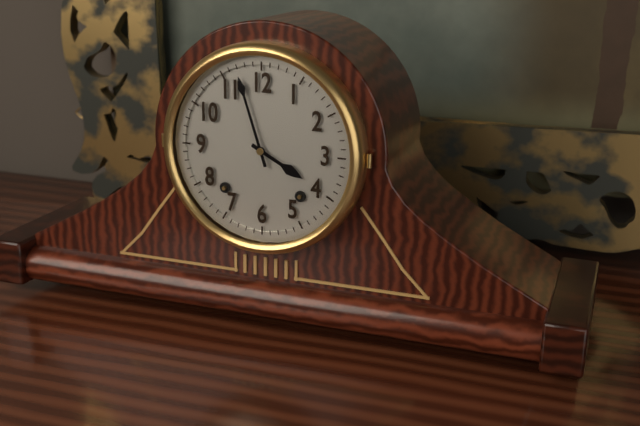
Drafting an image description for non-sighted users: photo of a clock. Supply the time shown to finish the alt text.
3:57
